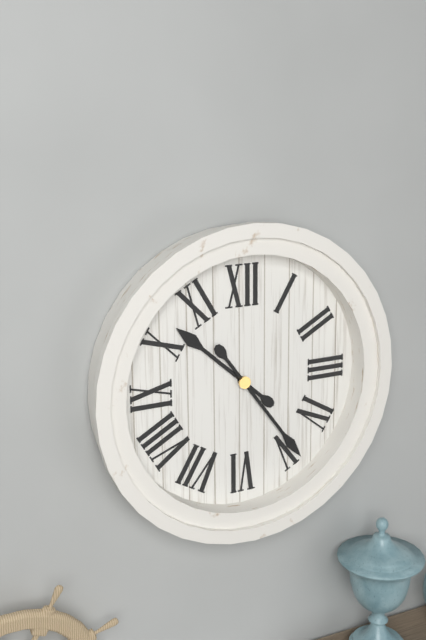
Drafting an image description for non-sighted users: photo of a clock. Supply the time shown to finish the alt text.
10:24
